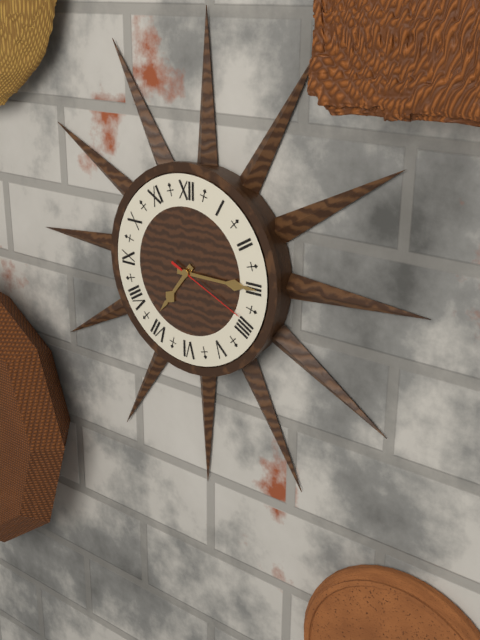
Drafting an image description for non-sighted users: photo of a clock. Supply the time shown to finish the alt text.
7:15:19
